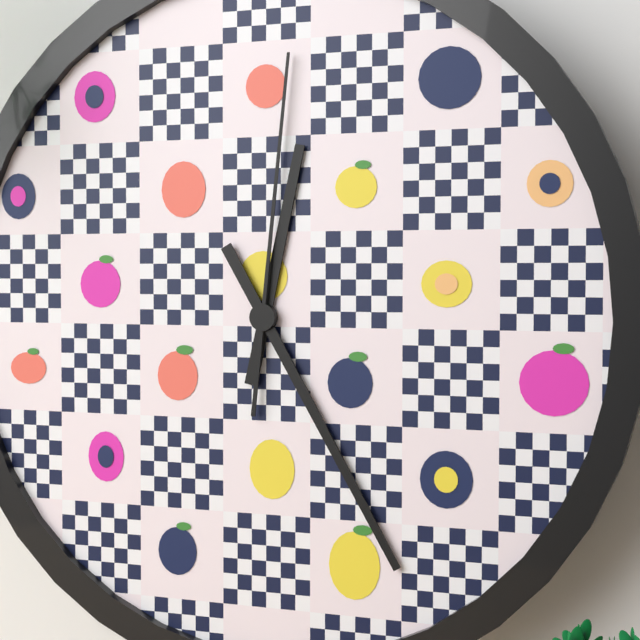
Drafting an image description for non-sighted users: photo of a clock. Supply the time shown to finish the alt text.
12:25:01
